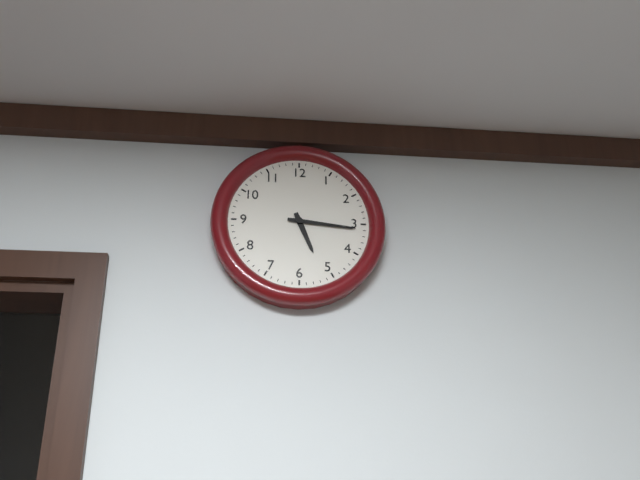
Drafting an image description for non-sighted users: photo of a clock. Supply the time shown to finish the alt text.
5:16
